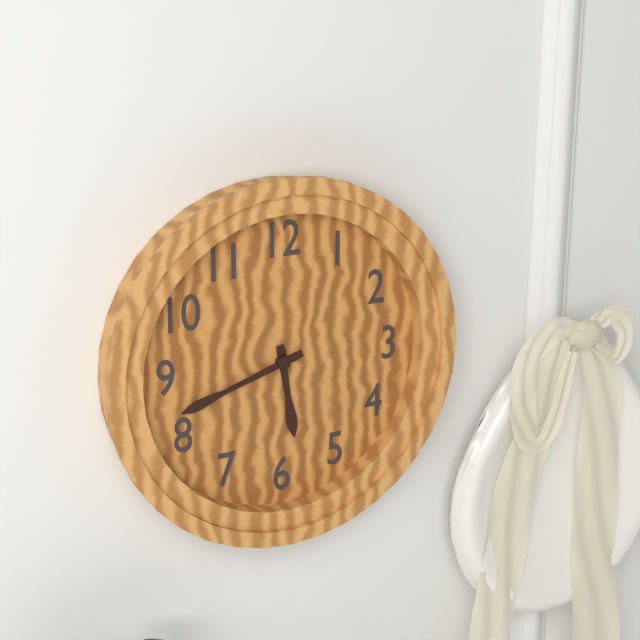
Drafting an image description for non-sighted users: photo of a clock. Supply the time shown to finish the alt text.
5:42
